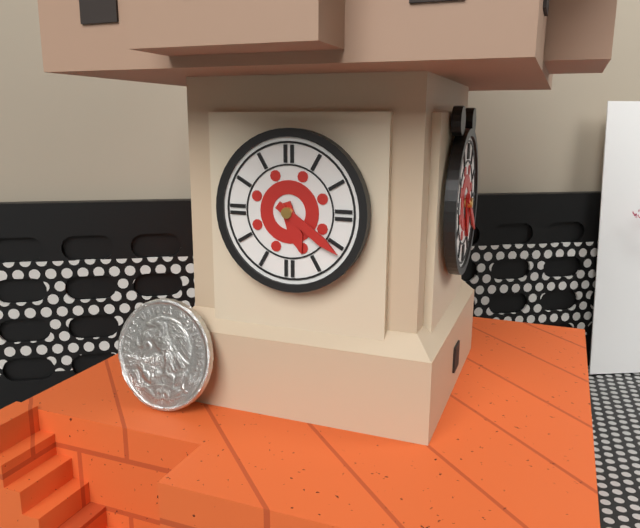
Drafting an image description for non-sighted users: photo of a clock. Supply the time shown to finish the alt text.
5:21
